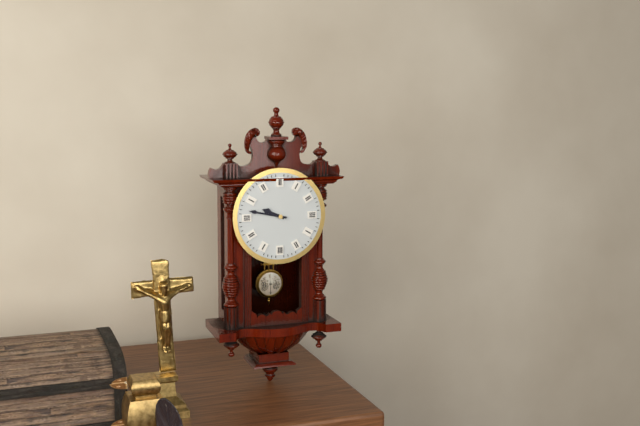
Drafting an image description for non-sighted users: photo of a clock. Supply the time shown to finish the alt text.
9:47
